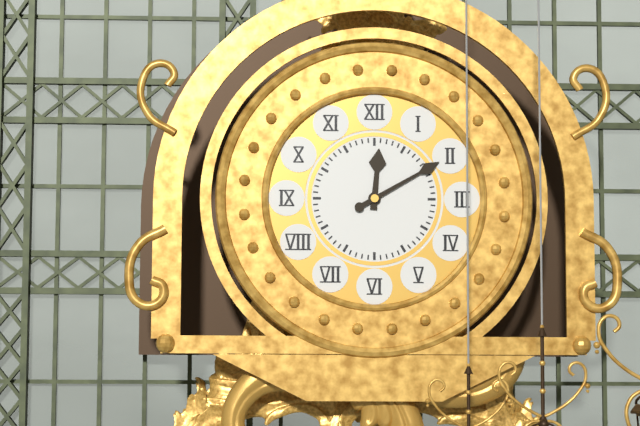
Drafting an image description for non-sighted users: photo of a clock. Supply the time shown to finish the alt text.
12:10
